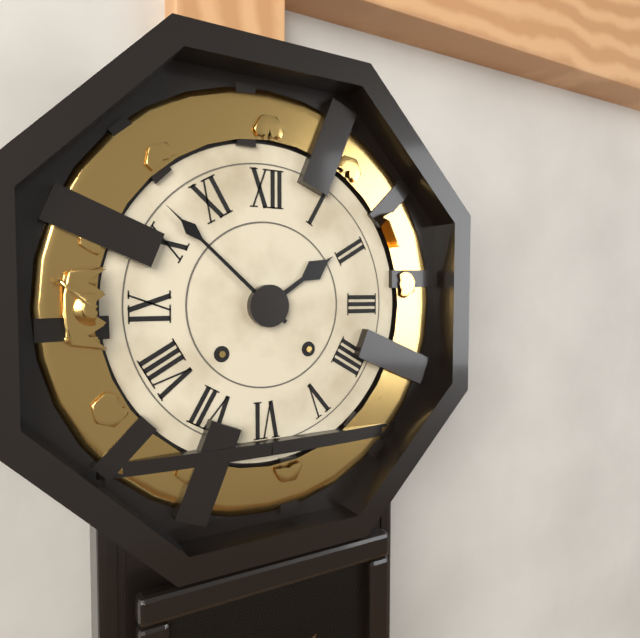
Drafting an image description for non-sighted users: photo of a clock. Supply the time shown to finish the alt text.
1:52
